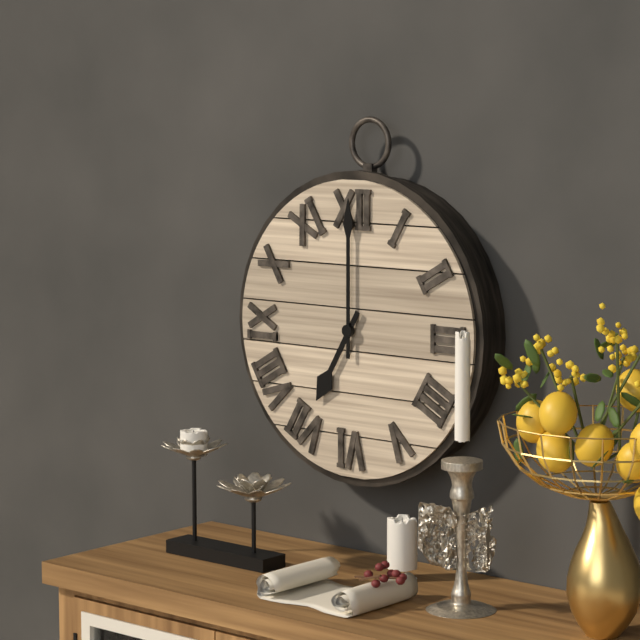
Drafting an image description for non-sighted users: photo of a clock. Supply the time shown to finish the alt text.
7:00
